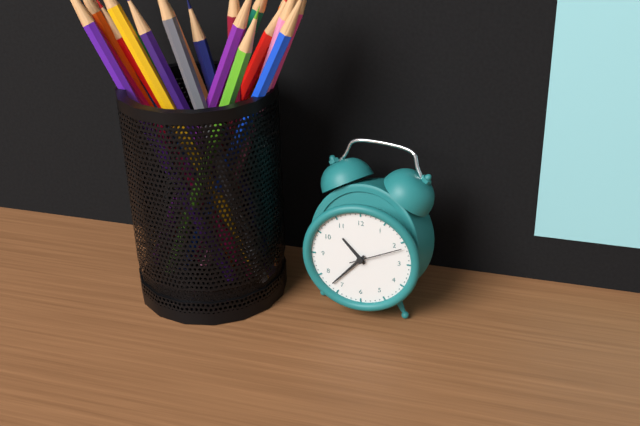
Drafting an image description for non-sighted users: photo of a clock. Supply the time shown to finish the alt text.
10:37:11
